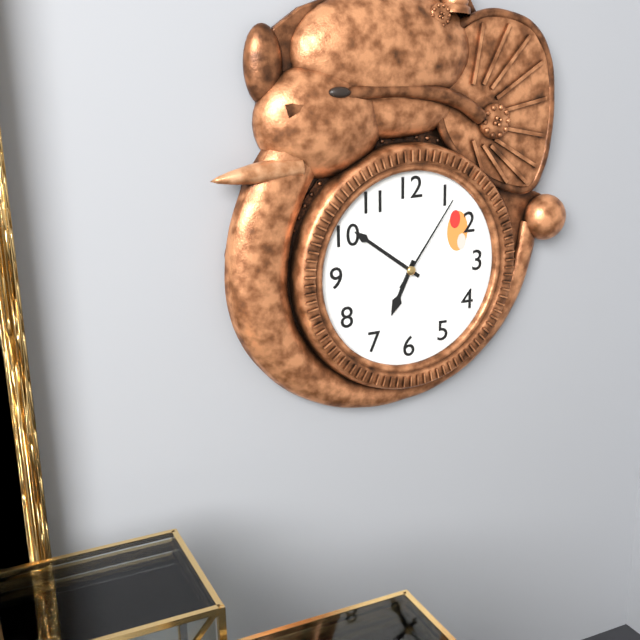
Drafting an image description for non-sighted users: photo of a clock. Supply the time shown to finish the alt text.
6:51:06
